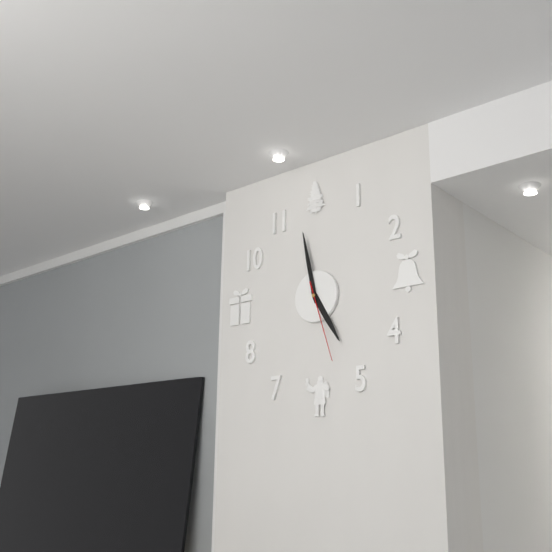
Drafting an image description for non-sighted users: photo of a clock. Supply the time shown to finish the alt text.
4:58:27
